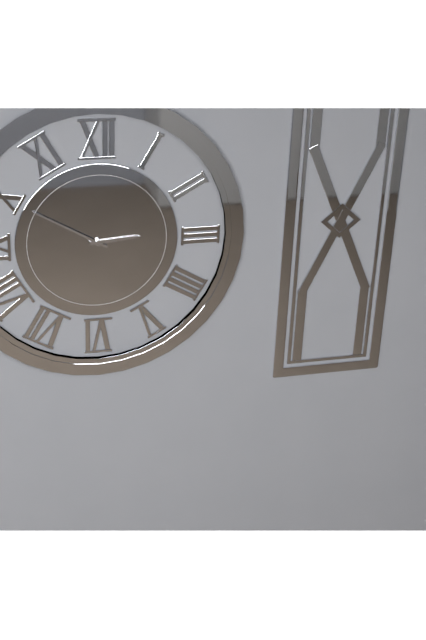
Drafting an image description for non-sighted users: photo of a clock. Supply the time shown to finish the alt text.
2:50
